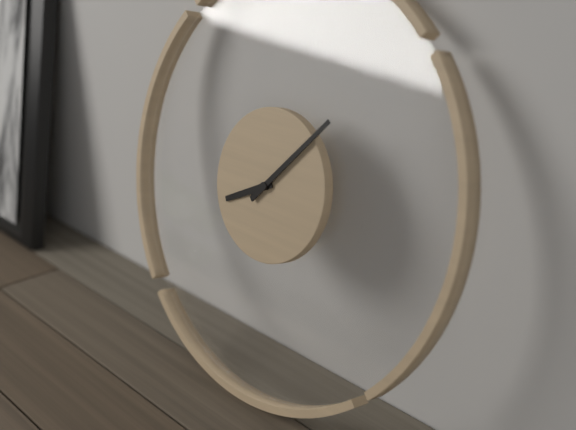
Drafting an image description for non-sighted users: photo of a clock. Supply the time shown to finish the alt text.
8:07
